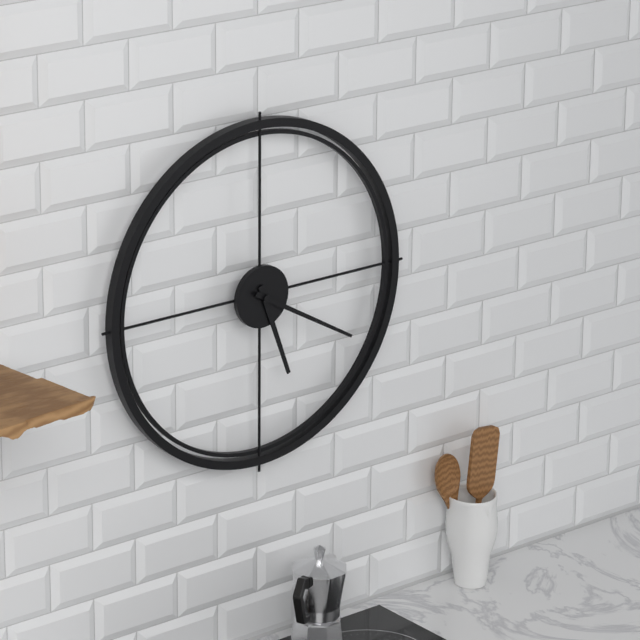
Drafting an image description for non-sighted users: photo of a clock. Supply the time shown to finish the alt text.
5:20
